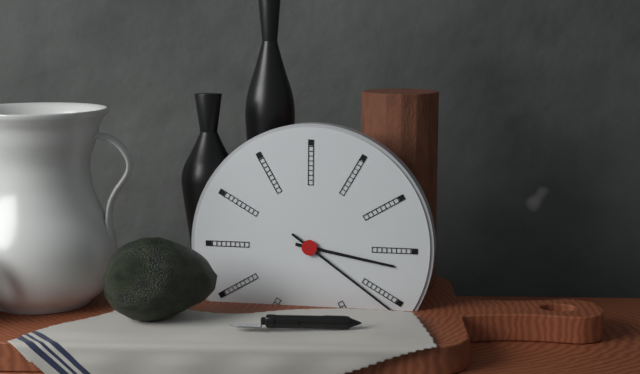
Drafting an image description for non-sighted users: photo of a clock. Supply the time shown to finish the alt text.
3:21
